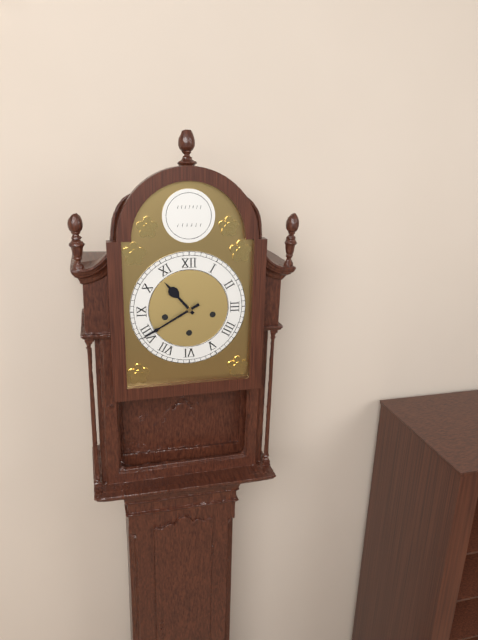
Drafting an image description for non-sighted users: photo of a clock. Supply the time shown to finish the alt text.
10:40
